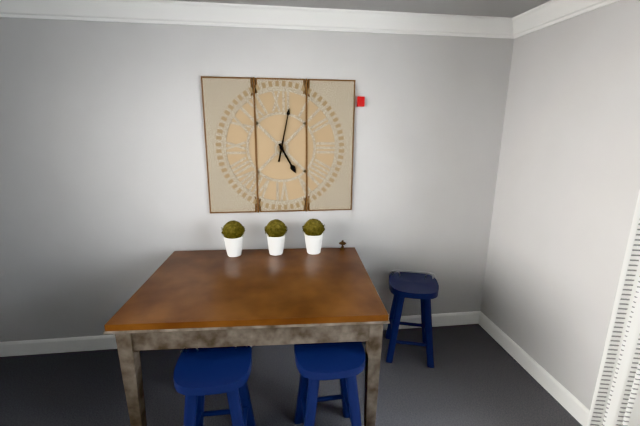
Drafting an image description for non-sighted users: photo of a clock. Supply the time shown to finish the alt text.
5:02
